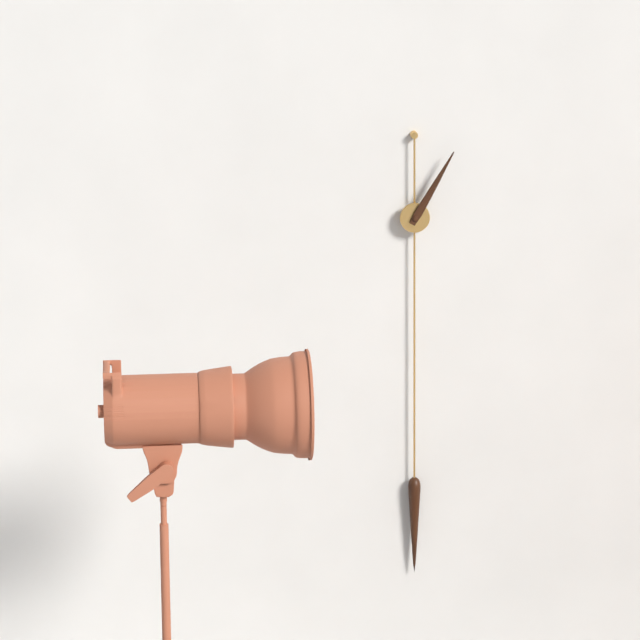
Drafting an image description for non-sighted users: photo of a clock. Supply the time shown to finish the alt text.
1:05
